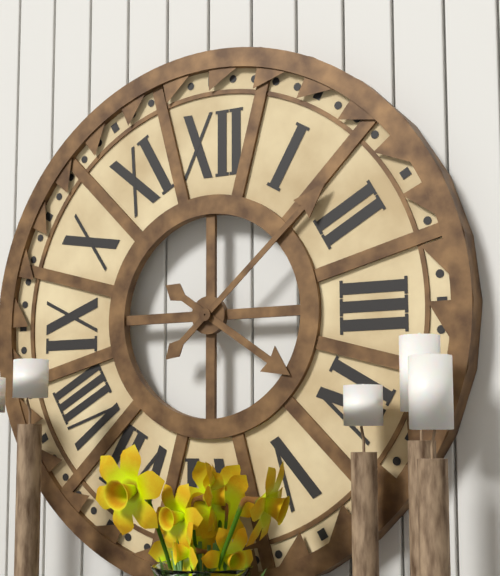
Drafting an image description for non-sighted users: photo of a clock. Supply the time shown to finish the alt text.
4:08
